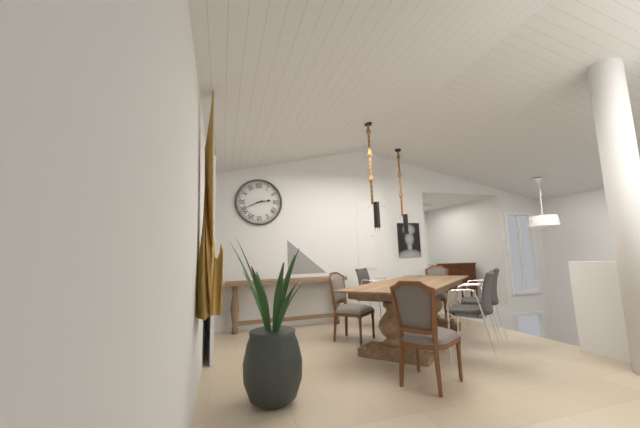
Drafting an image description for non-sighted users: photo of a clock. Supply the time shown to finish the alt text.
2:41
